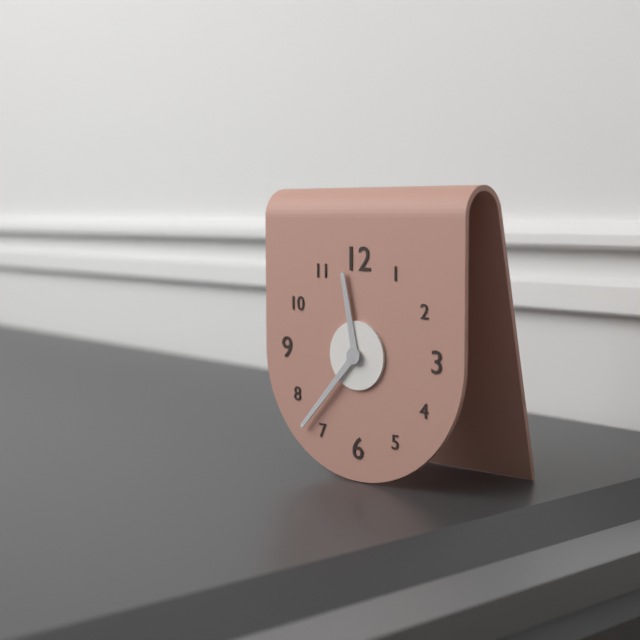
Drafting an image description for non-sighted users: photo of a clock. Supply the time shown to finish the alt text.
11:37
